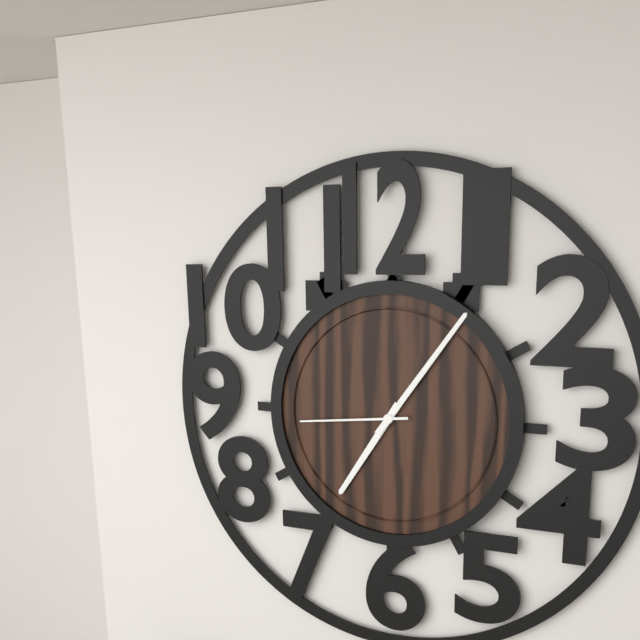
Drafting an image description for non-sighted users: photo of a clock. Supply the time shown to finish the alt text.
7:06:44
